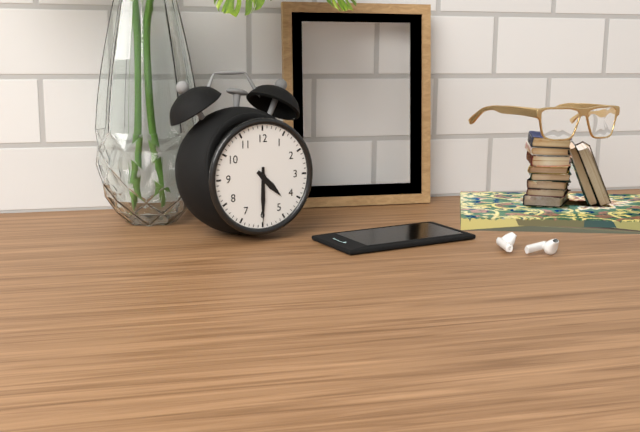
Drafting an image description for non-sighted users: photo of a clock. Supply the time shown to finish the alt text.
4:30
